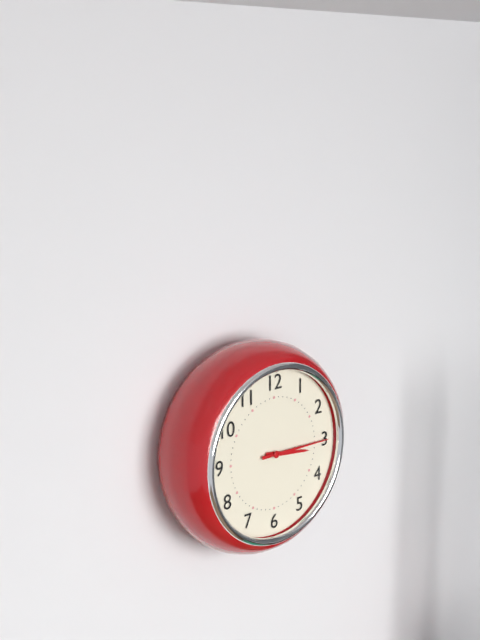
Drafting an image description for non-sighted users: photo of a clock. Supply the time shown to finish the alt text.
3:15
